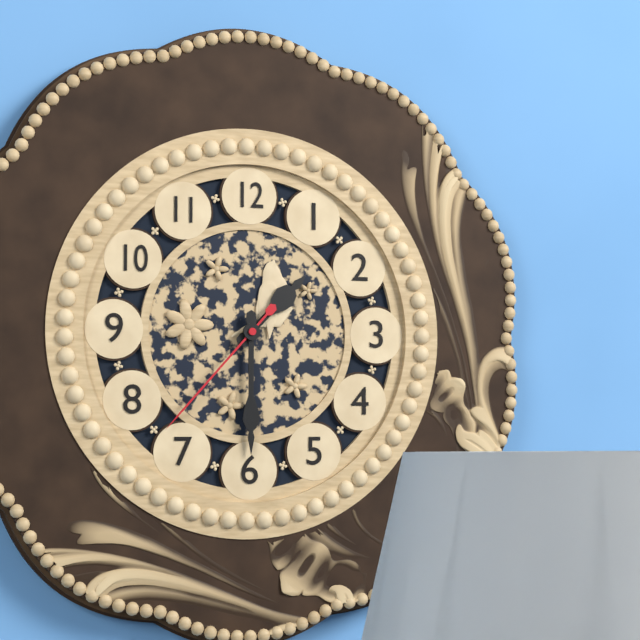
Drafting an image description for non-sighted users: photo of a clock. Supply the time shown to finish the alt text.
1:30:37
